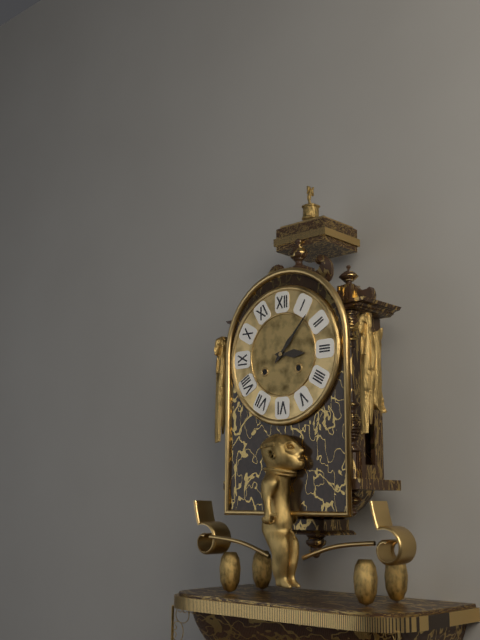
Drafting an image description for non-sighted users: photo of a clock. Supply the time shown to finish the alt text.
3:07
